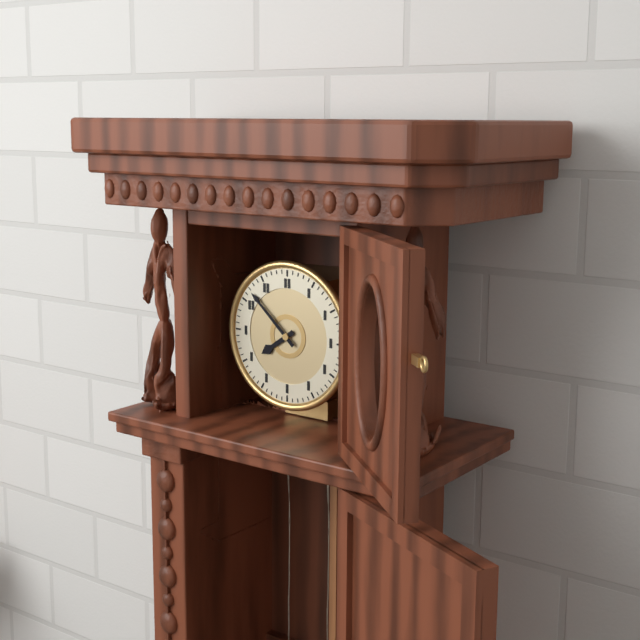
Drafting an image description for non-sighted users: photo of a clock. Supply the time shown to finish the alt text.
7:52
